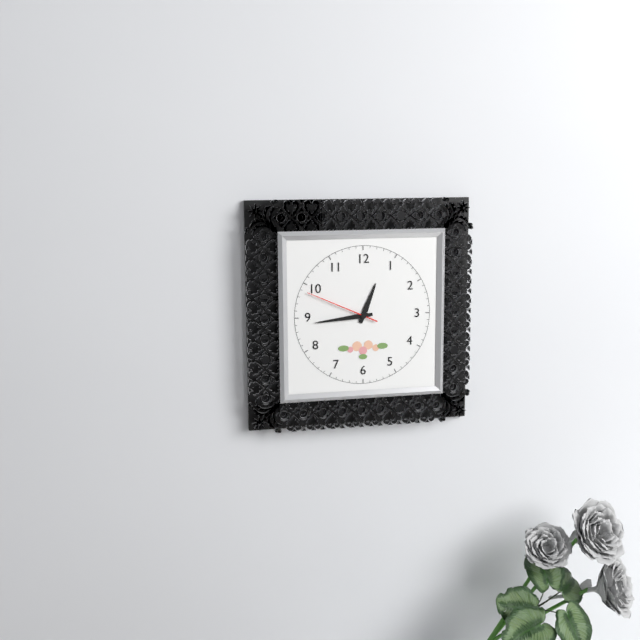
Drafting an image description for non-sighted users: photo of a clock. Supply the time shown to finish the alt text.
12:44:49
